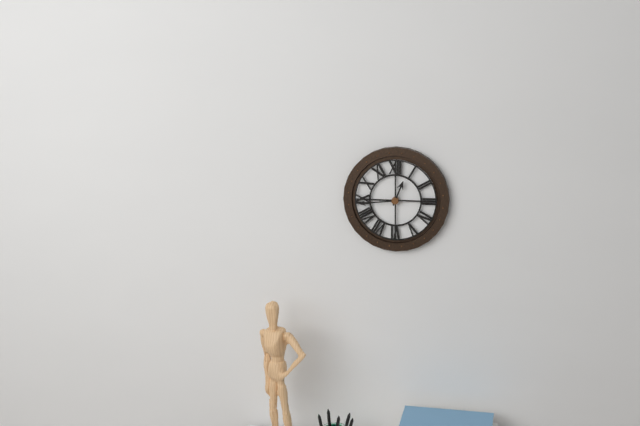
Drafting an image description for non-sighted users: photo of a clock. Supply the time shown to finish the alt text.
12:44
